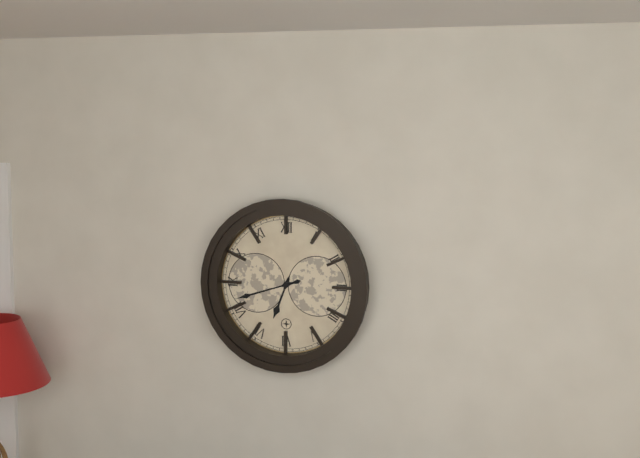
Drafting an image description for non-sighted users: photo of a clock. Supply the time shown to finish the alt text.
6:42
